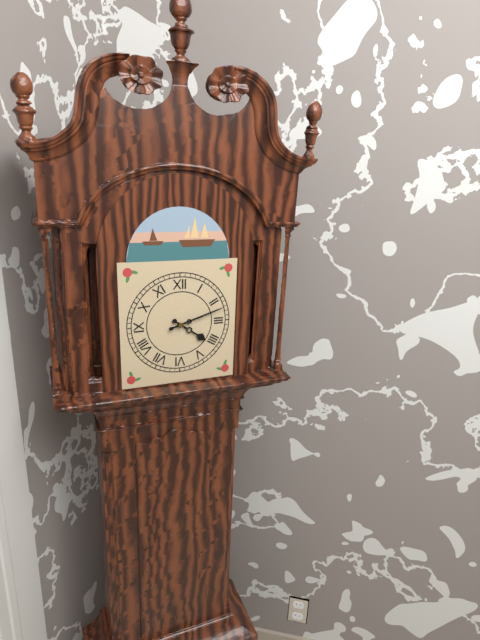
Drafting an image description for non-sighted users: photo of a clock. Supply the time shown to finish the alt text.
4:12
